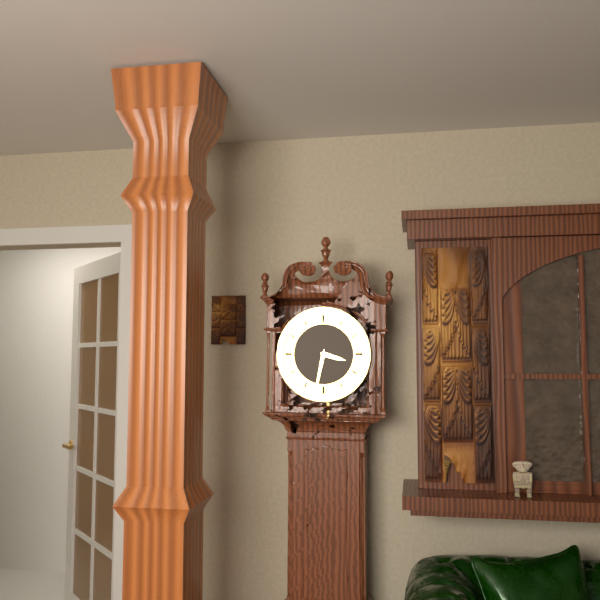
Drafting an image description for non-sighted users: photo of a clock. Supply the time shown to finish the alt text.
3:32
